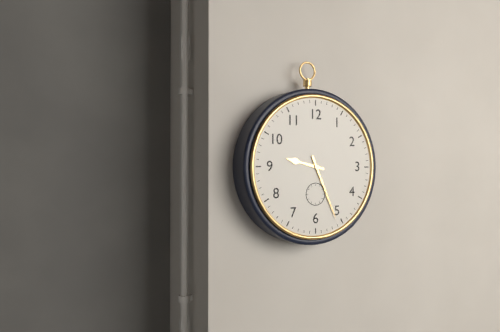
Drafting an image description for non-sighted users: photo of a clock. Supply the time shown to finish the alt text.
9:26
